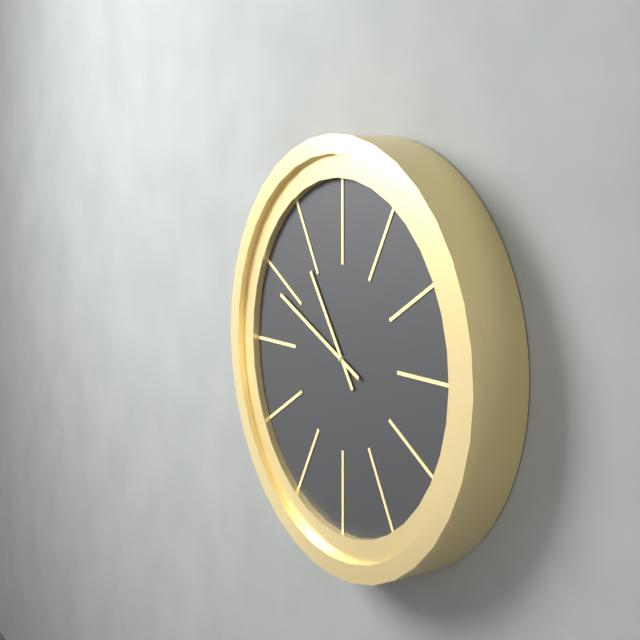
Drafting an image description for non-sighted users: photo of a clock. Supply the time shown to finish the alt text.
10:49
